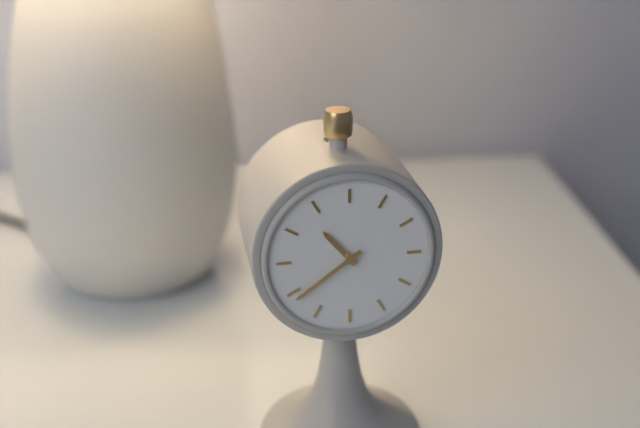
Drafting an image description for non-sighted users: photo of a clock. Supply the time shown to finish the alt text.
10:39
